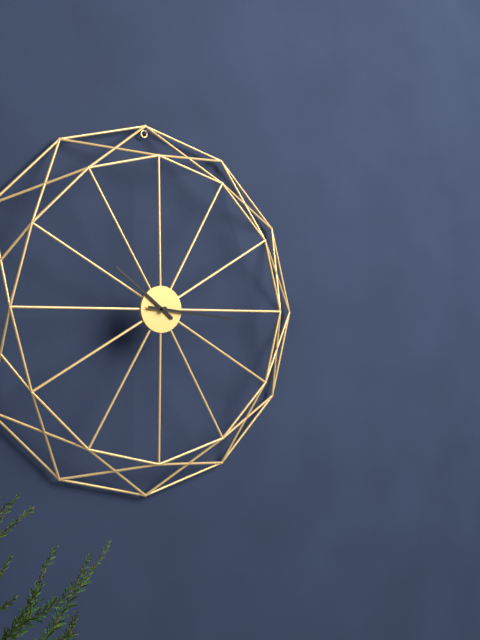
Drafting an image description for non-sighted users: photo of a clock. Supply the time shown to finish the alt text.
10:16
